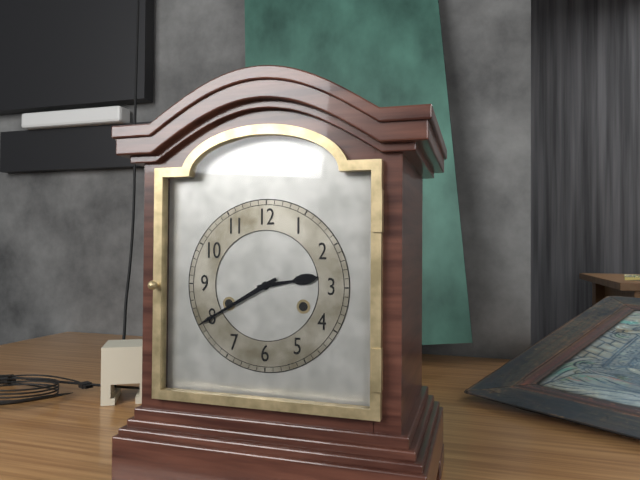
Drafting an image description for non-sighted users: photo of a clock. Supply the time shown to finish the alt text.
2:40
